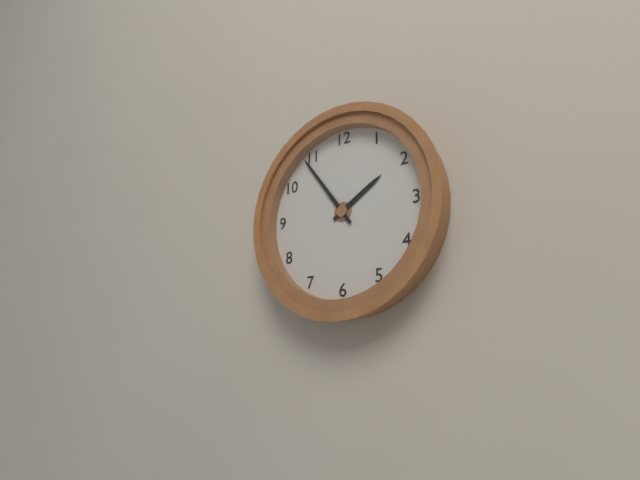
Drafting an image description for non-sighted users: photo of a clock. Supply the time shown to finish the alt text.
1:54
